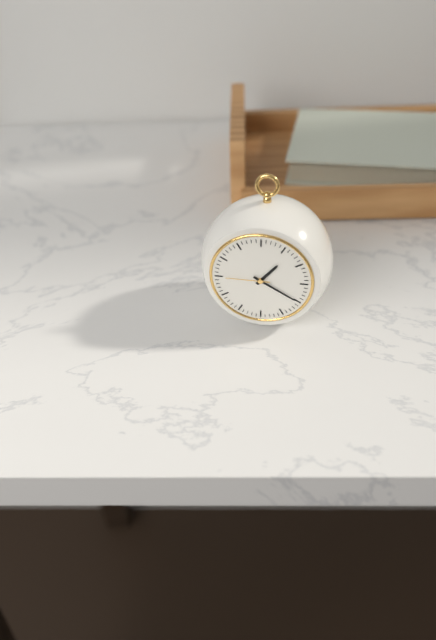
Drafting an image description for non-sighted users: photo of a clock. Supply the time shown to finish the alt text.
1:20
